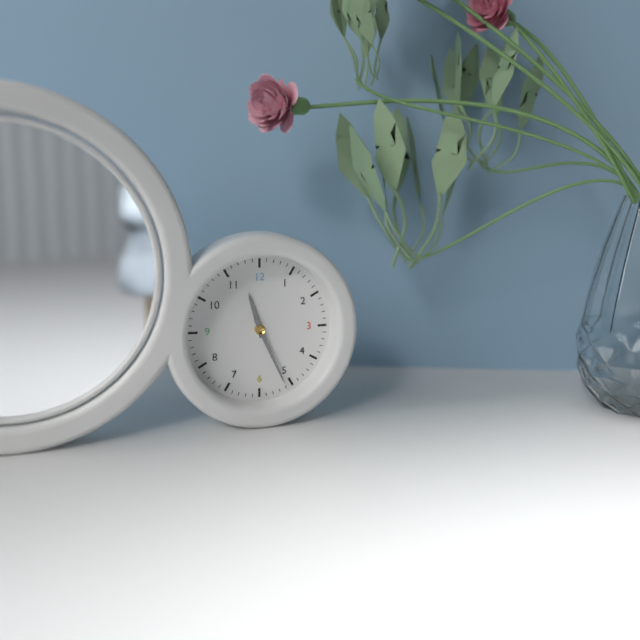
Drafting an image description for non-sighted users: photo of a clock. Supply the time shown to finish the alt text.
11:26
